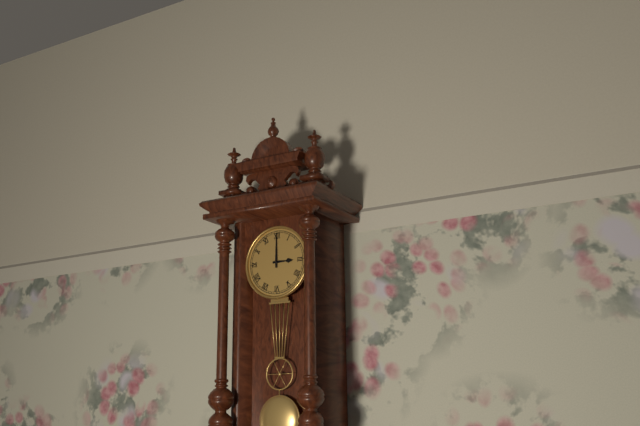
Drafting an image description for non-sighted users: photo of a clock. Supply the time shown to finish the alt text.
3:00
